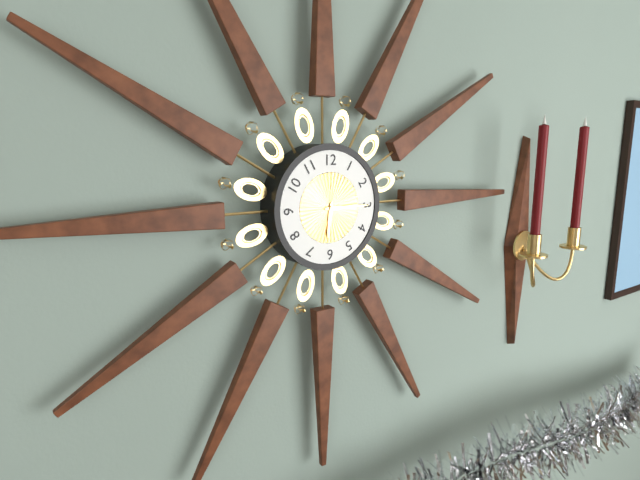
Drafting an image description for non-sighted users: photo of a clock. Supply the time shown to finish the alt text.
6:15
